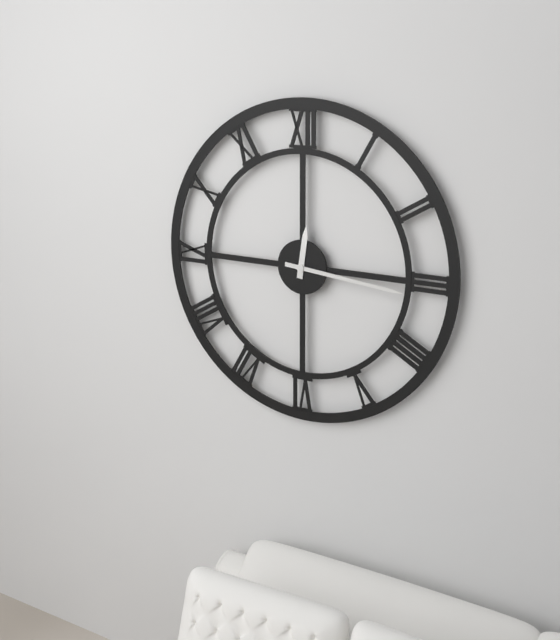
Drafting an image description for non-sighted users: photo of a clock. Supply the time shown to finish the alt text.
12:16
